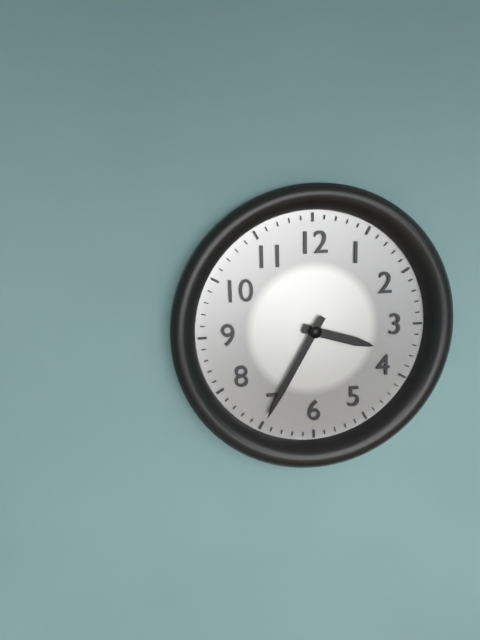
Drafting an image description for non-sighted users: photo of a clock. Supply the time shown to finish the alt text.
3:35
